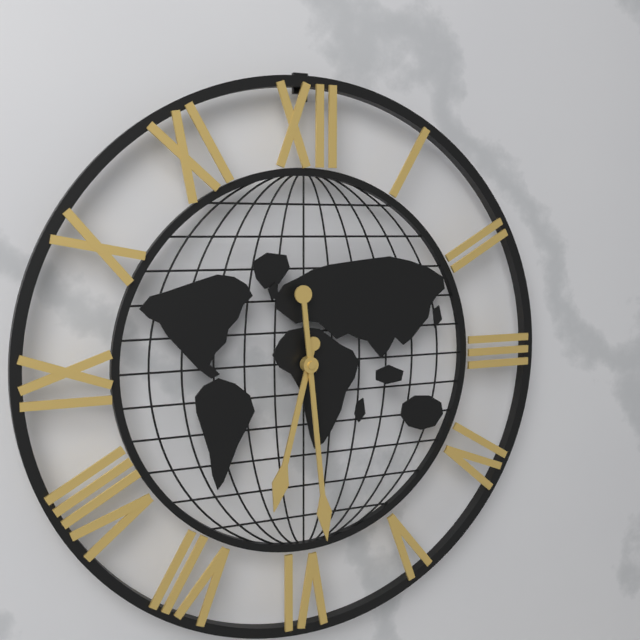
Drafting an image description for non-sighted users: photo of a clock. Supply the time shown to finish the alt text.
6:29
